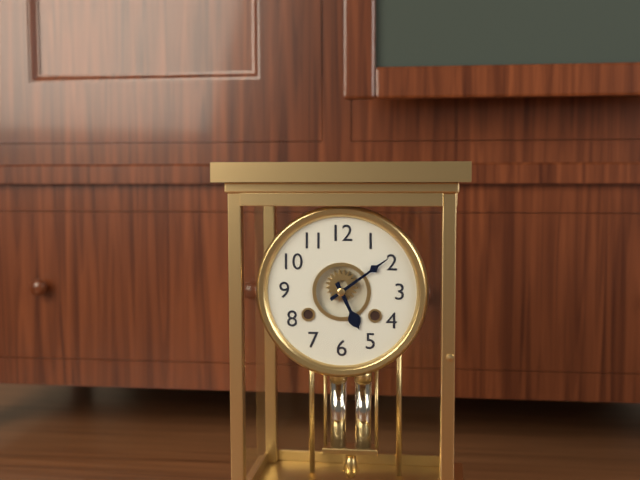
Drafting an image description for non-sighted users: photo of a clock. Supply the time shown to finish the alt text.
5:09
